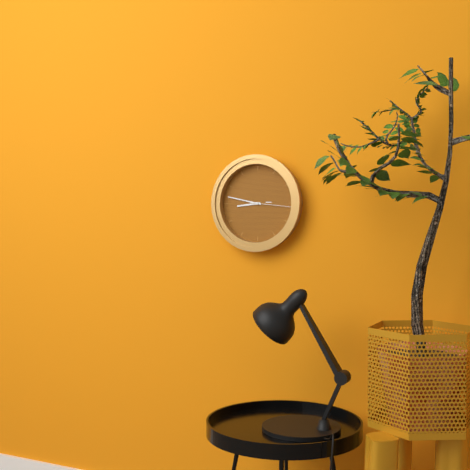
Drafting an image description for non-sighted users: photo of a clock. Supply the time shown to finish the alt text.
8:47
